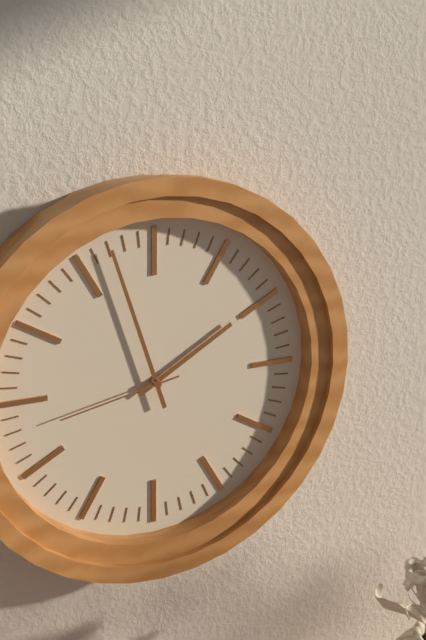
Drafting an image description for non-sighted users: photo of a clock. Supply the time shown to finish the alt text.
1:57:43
